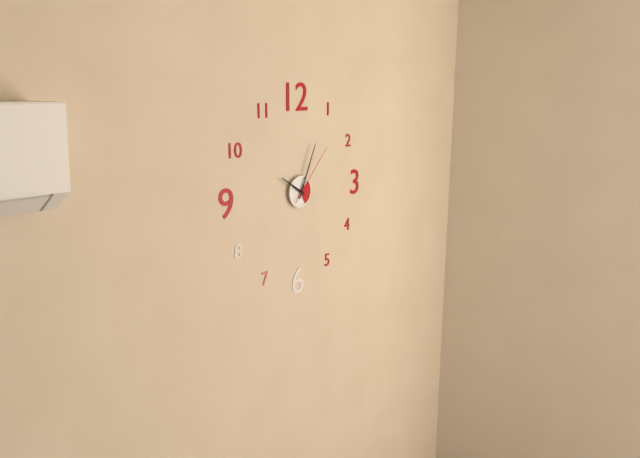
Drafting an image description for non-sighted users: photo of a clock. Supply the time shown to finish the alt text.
10:04:07
